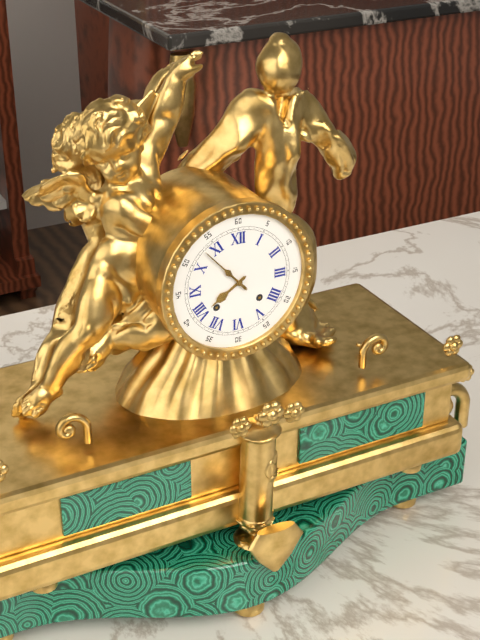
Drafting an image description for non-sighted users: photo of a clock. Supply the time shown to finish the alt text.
7:53
